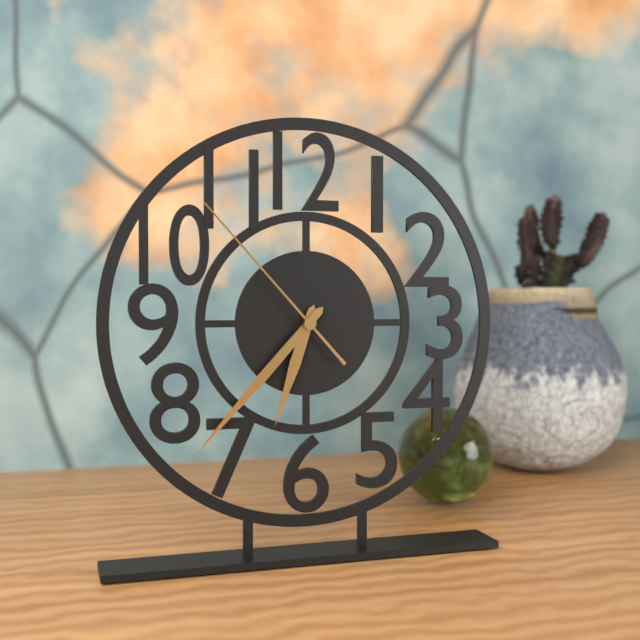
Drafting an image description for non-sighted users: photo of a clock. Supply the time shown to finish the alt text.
6:37:53
